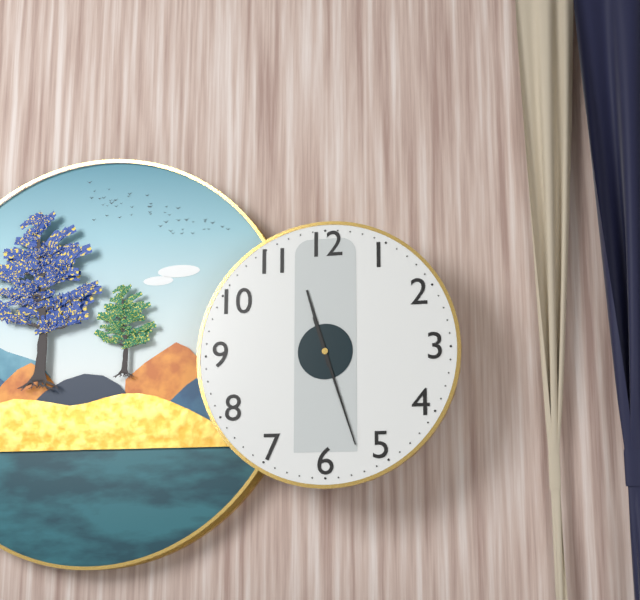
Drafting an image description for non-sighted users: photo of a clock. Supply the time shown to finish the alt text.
11:27
